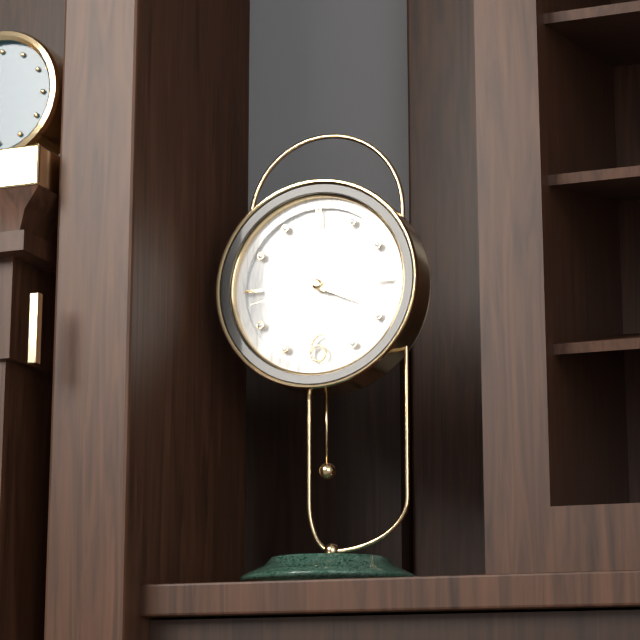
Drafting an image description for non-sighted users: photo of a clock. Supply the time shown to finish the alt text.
3:52:43
